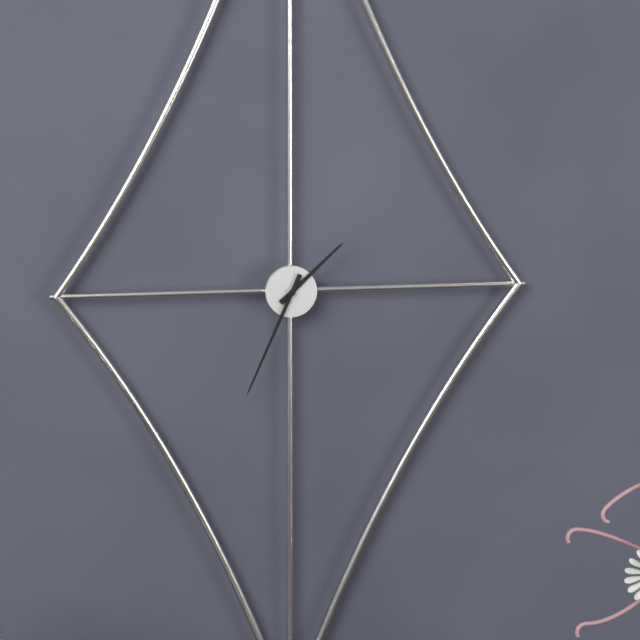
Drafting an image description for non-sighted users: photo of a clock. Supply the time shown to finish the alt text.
1:34
